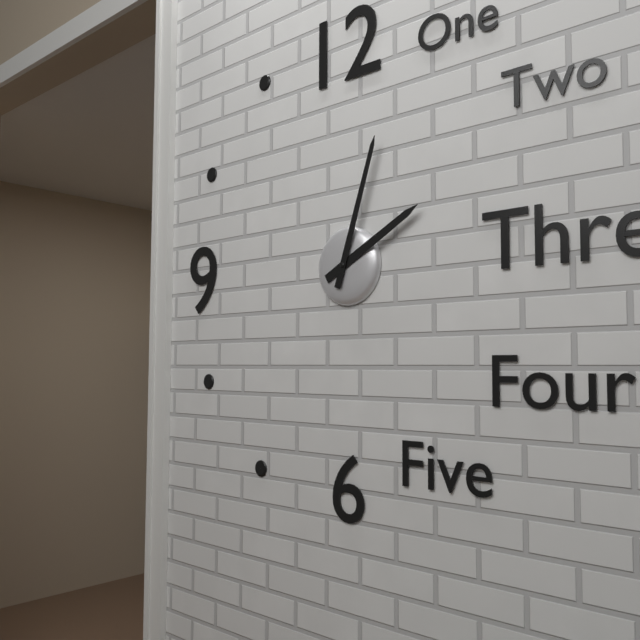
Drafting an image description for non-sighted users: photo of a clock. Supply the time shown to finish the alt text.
2:03
